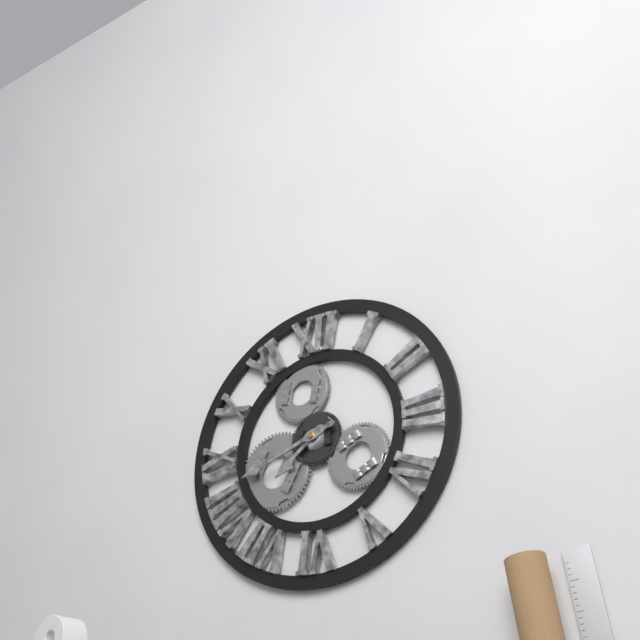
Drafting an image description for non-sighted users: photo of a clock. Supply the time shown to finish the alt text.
7:42
